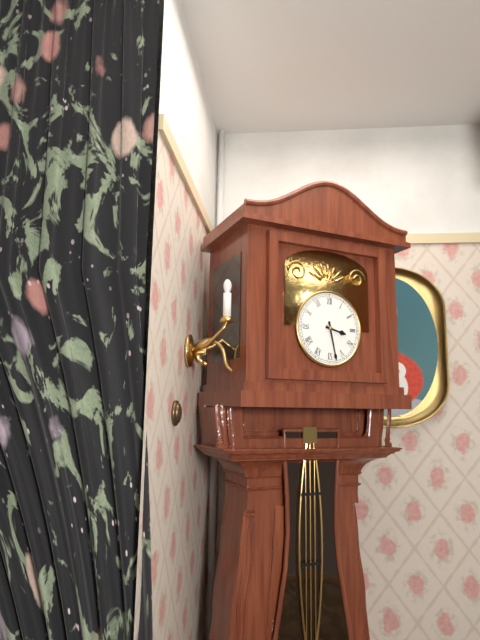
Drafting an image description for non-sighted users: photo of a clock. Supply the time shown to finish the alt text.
3:28
